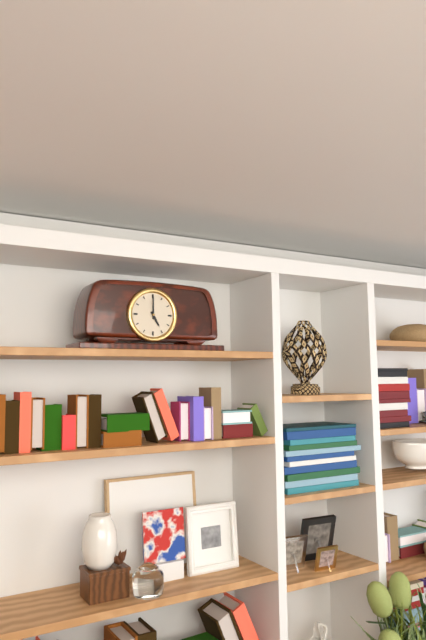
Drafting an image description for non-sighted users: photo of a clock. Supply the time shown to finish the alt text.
5:00
